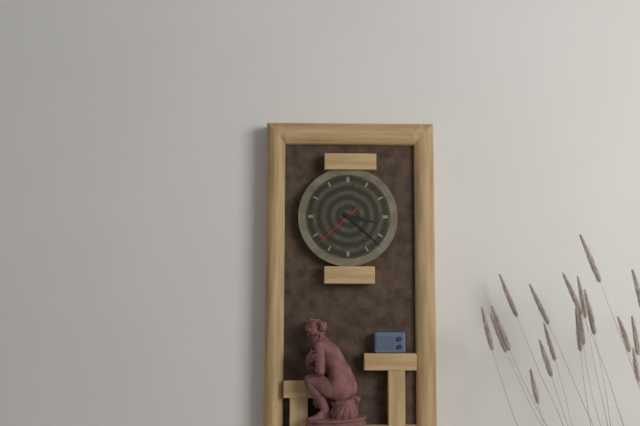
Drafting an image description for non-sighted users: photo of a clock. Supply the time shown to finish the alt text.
3:22:38
